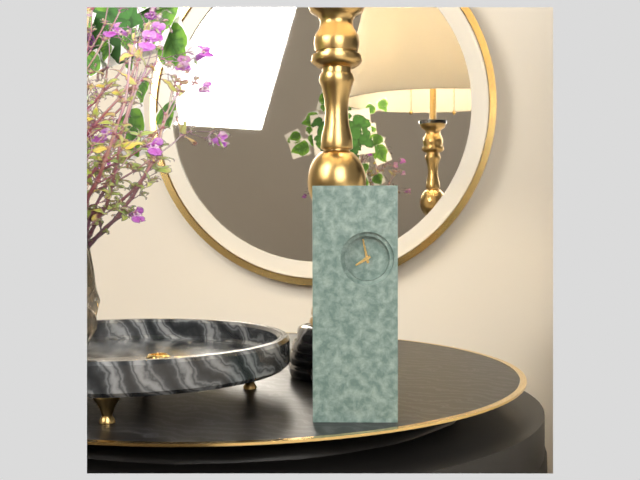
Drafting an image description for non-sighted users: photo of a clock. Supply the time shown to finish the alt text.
7:58
